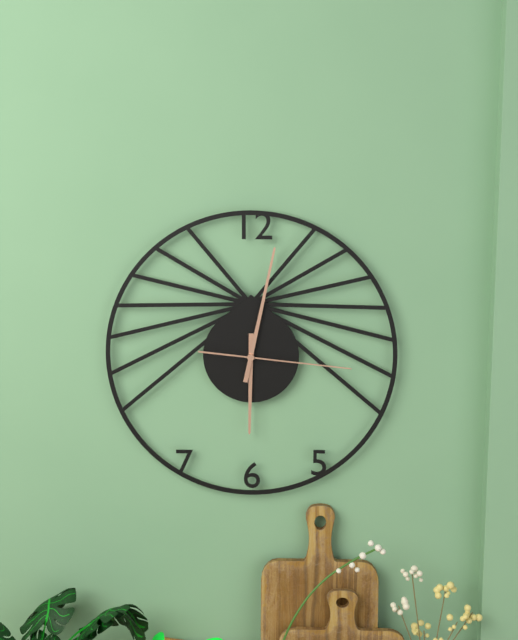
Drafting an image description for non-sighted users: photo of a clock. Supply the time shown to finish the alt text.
6:02:16
